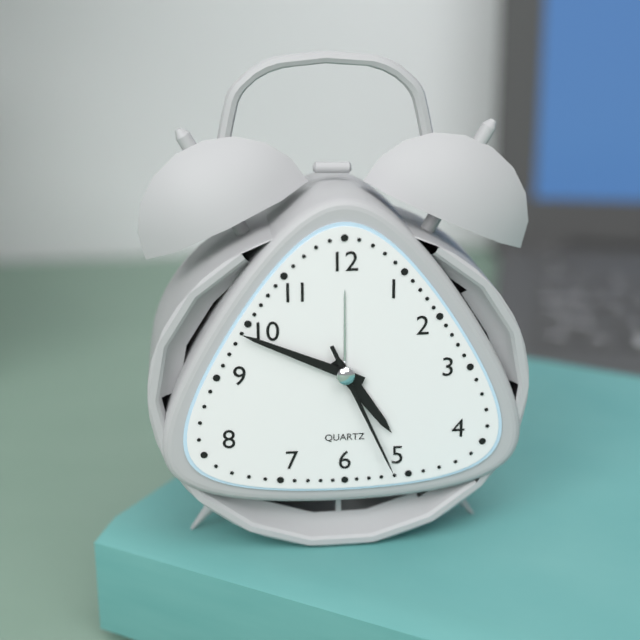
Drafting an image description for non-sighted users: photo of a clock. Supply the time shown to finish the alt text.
4:49:26
